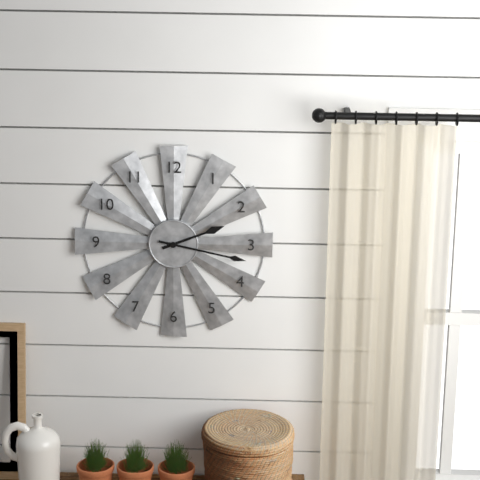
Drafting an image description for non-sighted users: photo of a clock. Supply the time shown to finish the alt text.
2:17
